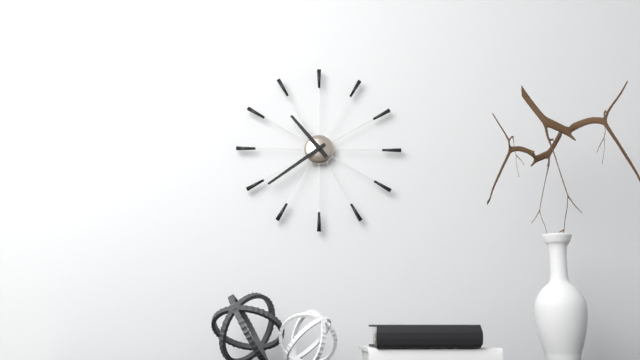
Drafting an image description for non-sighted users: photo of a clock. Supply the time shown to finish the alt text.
10:39
